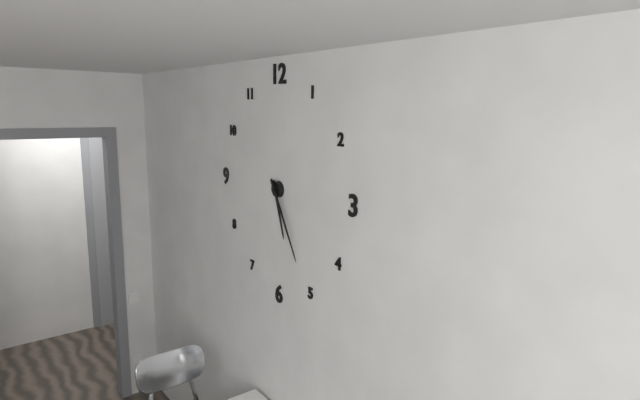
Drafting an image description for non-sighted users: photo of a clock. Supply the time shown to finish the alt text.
5:25
